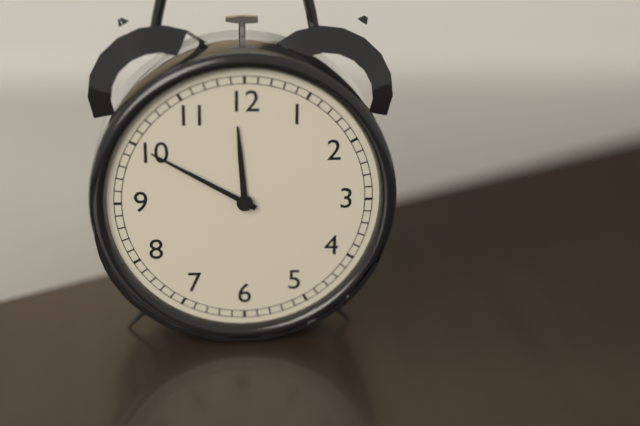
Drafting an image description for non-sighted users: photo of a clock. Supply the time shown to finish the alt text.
11:50
